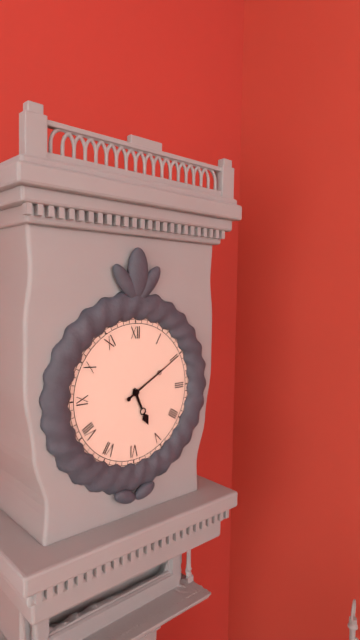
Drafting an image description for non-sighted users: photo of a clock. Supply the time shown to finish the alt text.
5:10
